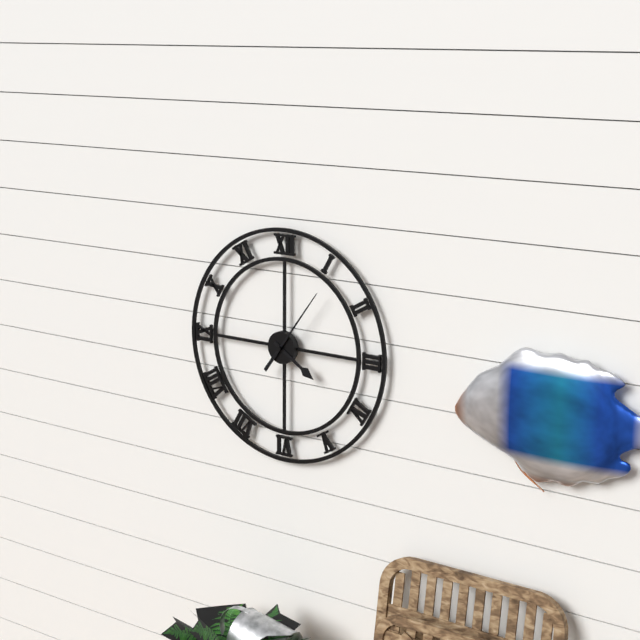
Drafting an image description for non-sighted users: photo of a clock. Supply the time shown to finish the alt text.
4:06
